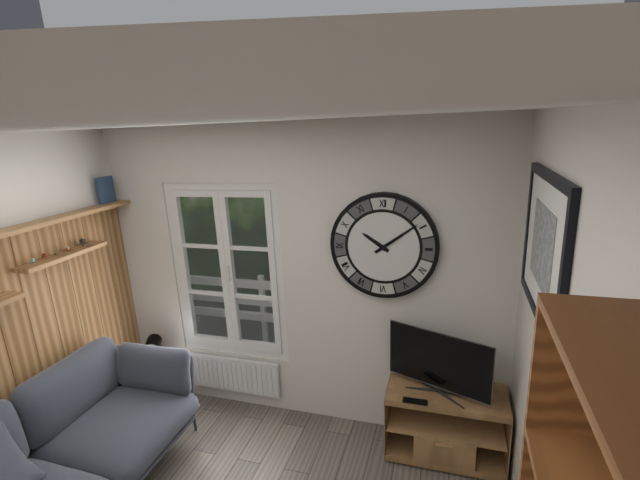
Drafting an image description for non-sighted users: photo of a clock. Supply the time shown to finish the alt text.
10:09
